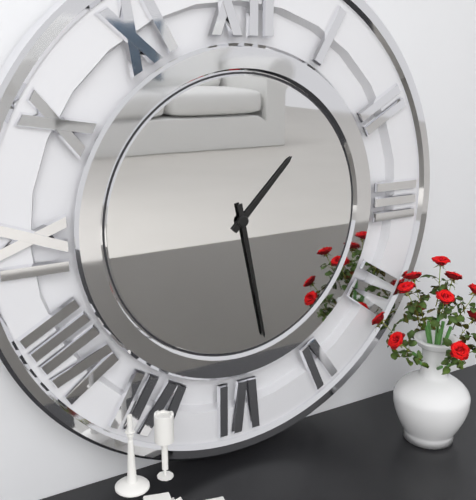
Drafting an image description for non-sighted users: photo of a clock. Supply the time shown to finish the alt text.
1:28
